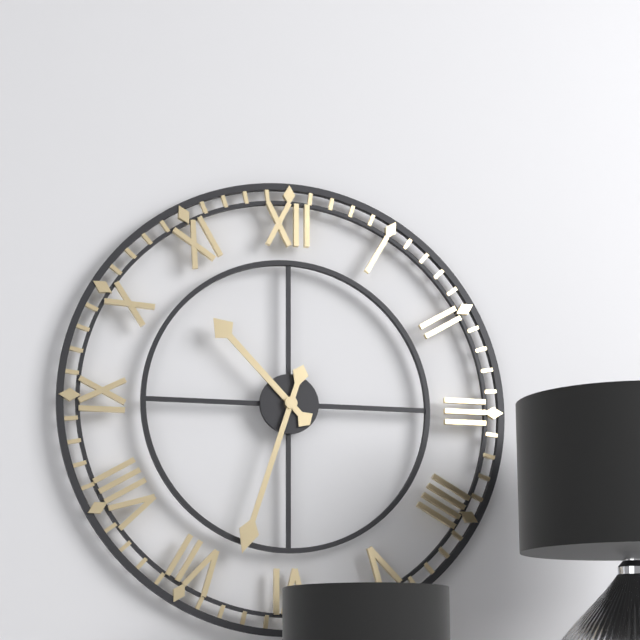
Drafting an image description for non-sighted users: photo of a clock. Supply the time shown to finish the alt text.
10:33
